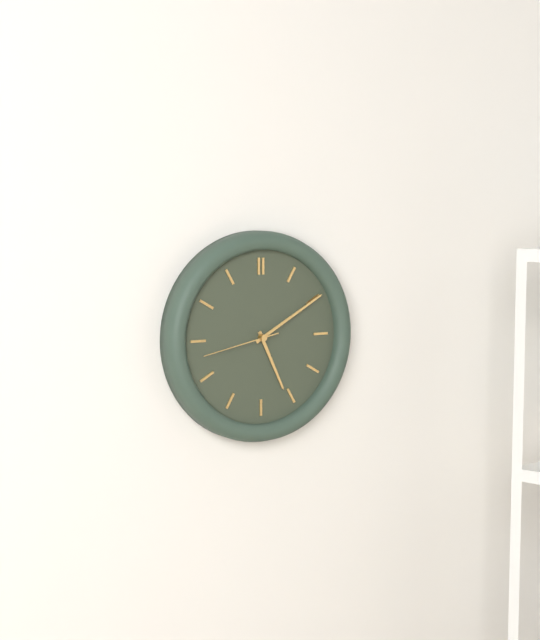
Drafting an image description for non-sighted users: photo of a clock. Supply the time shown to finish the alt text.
5:10:43
